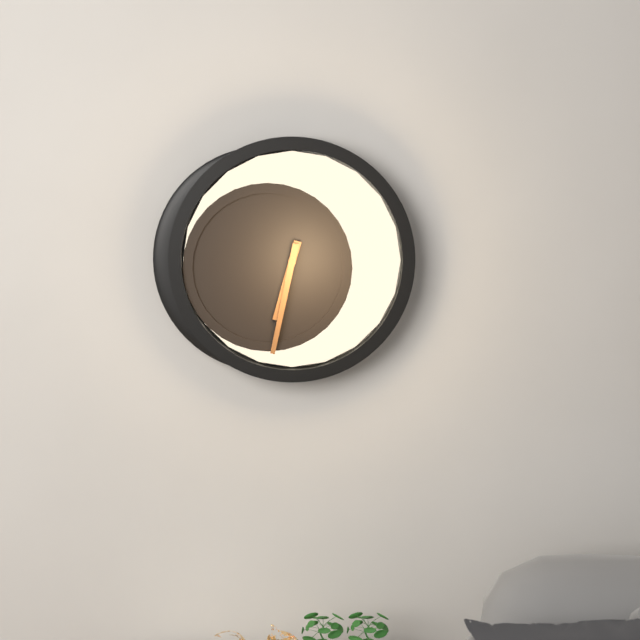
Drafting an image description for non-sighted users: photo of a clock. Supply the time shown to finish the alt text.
6:32
